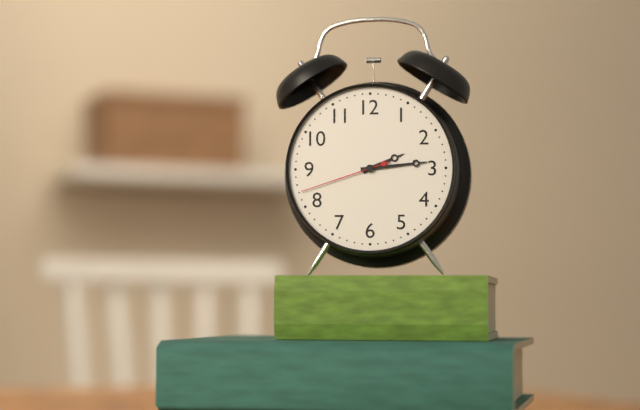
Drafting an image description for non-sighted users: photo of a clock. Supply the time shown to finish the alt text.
2:14:42
